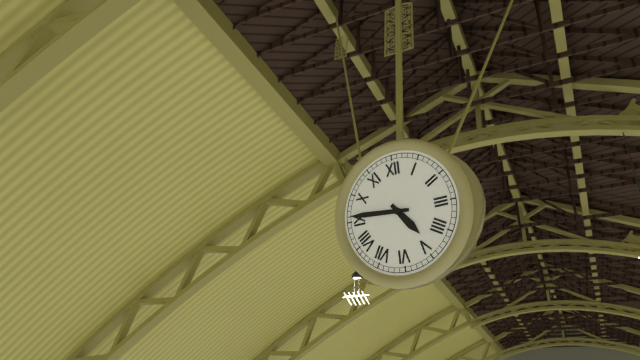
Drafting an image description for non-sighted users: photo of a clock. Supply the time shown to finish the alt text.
4:46
